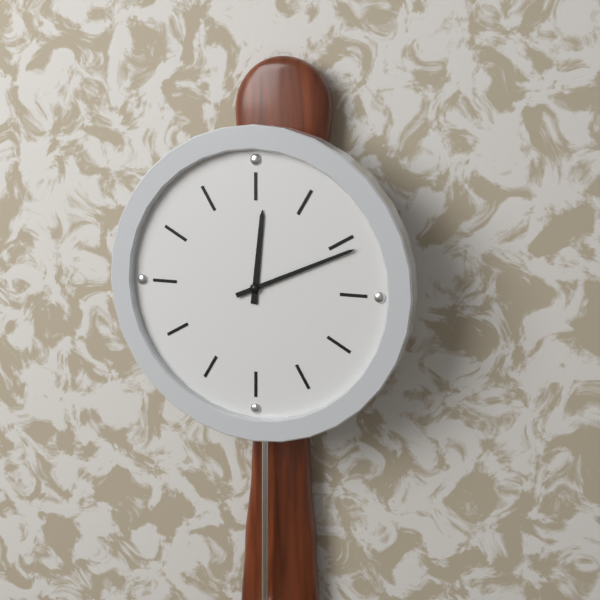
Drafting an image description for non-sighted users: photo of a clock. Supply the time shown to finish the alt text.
12:11
